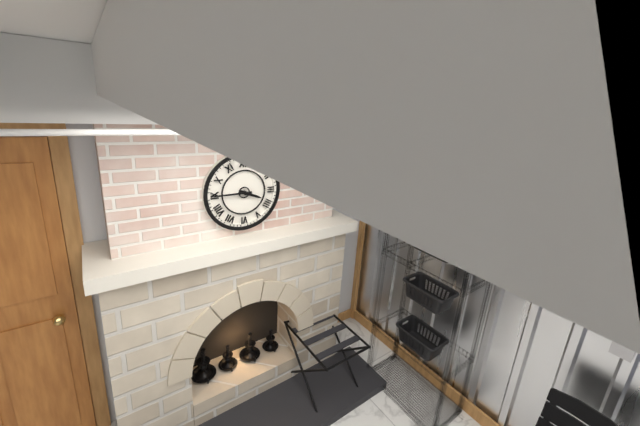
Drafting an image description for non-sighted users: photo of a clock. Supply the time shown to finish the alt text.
3:45
